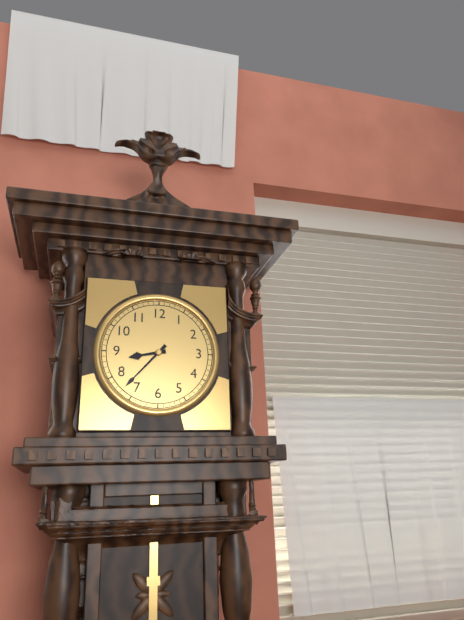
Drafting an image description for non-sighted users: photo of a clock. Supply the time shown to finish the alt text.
8:37
